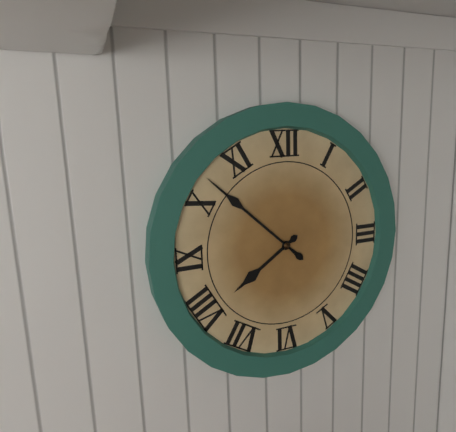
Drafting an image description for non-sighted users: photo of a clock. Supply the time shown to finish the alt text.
7:52
